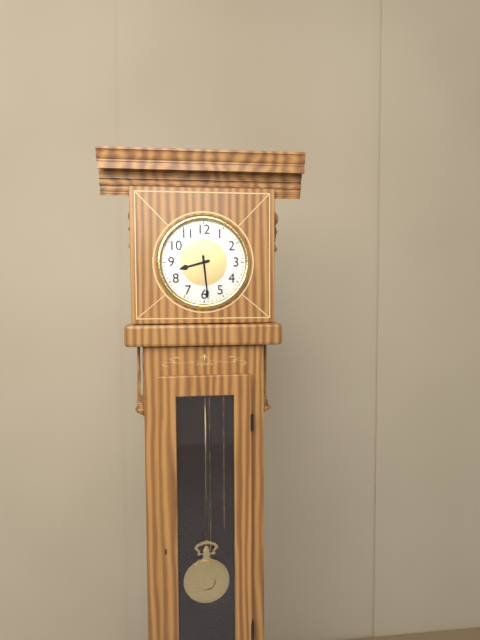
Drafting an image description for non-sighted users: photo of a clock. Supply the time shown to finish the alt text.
8:29
